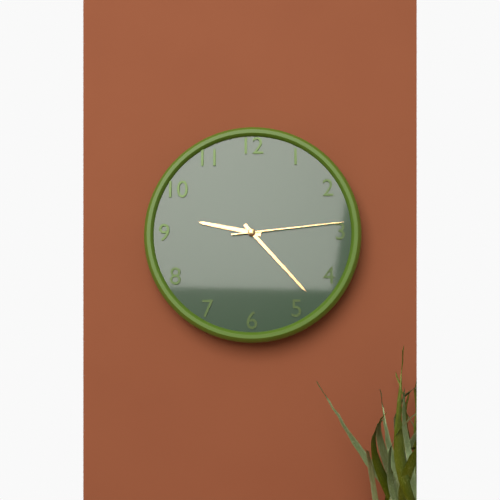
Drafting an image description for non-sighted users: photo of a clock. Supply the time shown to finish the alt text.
9:23:14
